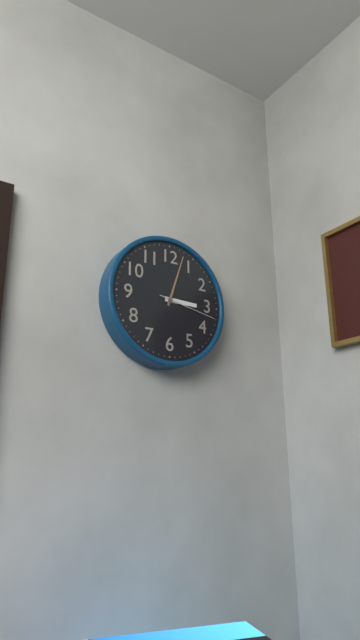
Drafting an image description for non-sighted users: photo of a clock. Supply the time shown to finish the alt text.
3:03:17
